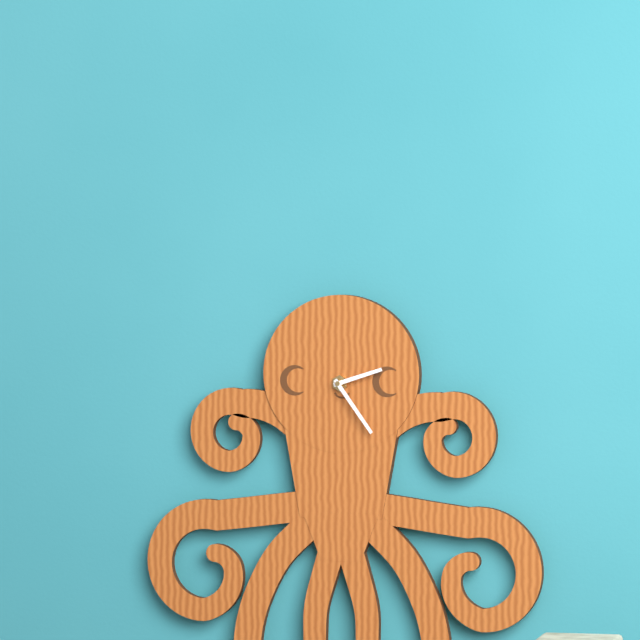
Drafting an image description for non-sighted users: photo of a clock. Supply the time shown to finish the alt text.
2:24
